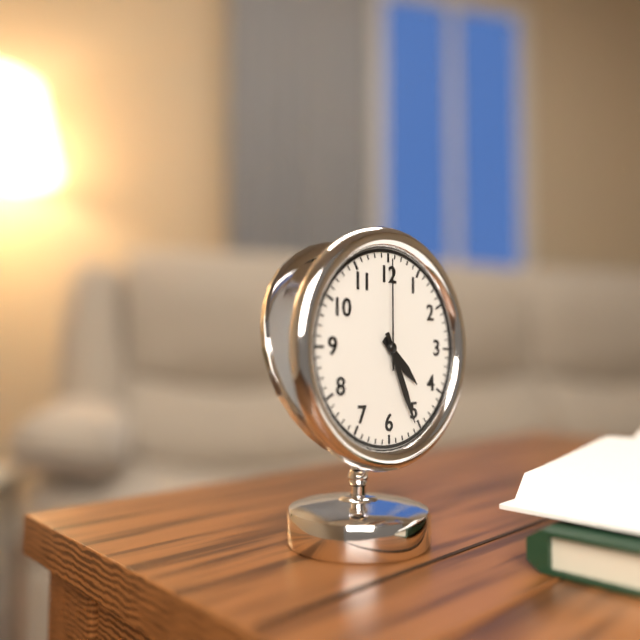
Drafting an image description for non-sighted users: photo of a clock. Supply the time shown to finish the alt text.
4:26:00
